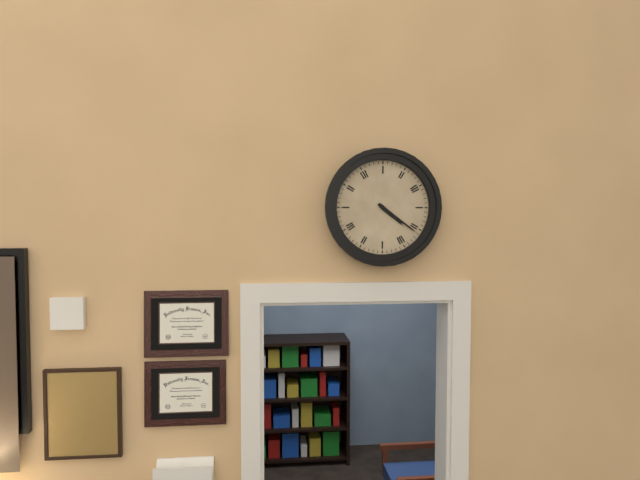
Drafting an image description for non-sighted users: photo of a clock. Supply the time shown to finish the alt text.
4:21
